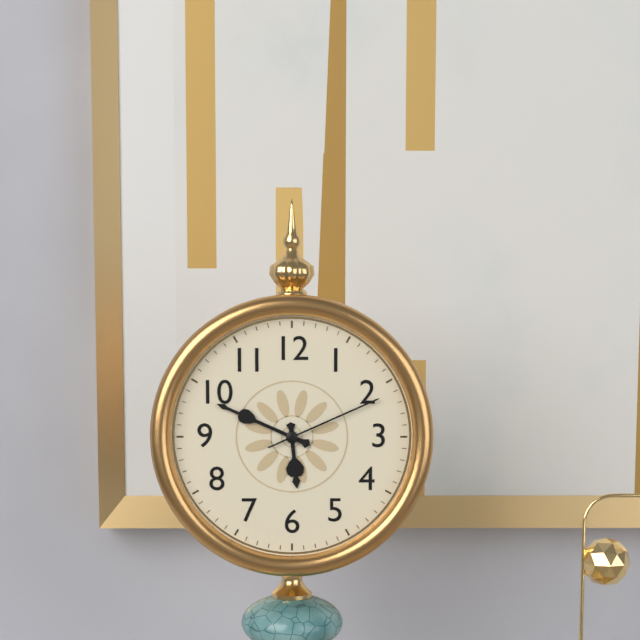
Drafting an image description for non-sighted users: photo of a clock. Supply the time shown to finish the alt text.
5:49:11
